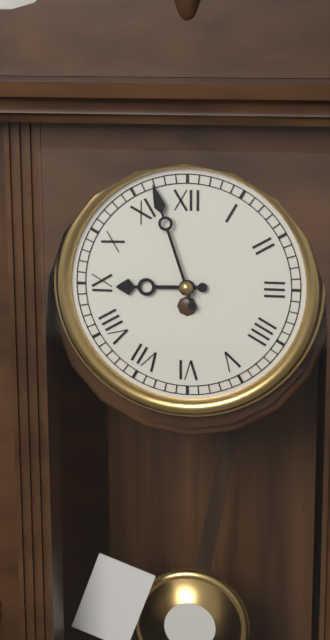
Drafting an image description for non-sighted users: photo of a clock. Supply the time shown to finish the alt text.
8:57
